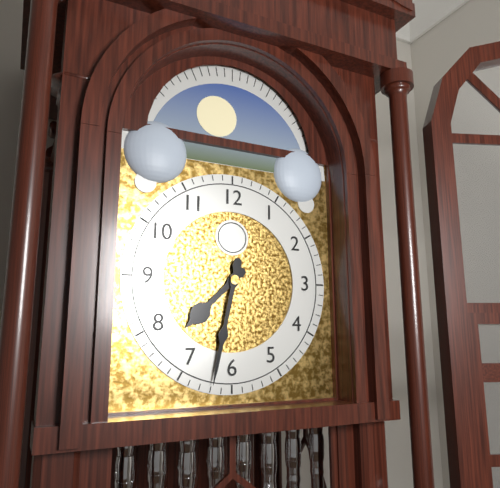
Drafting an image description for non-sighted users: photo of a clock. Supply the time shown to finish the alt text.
7:32
